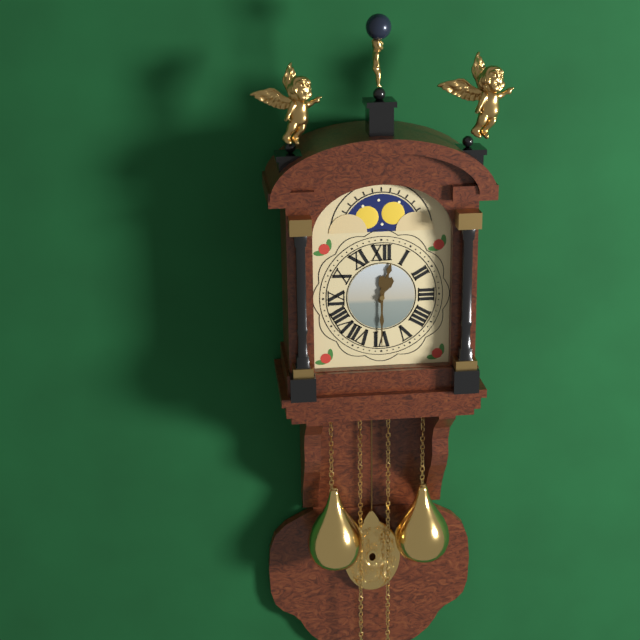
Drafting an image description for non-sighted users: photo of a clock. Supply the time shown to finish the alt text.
12:30
